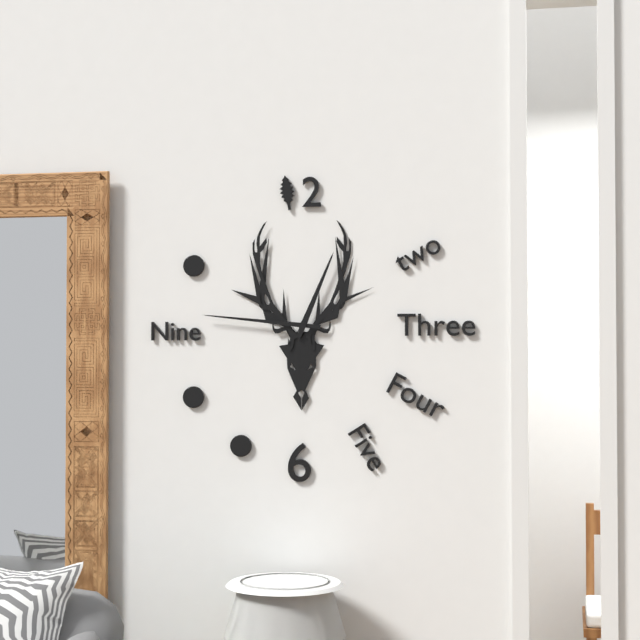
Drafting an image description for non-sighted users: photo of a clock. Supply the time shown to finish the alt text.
12:46
